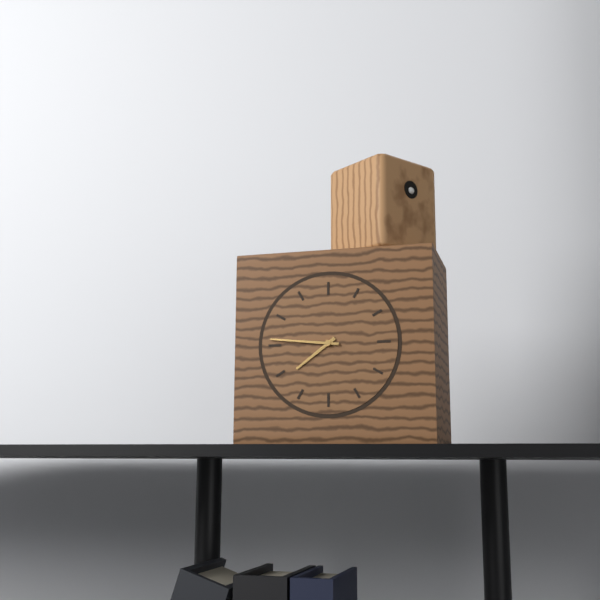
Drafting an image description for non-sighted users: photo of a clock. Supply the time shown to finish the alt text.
7:46
